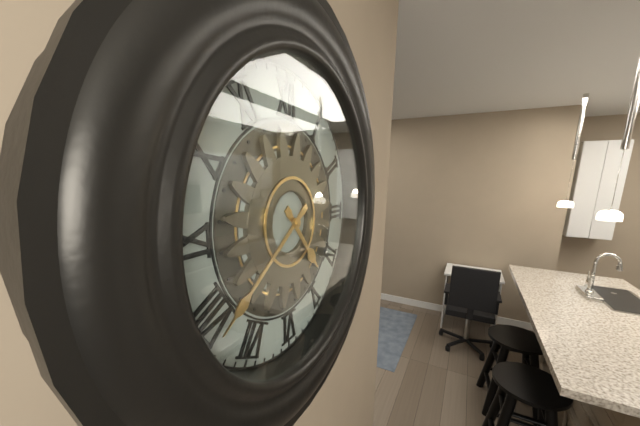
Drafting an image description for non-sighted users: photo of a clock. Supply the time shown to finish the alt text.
4:39
